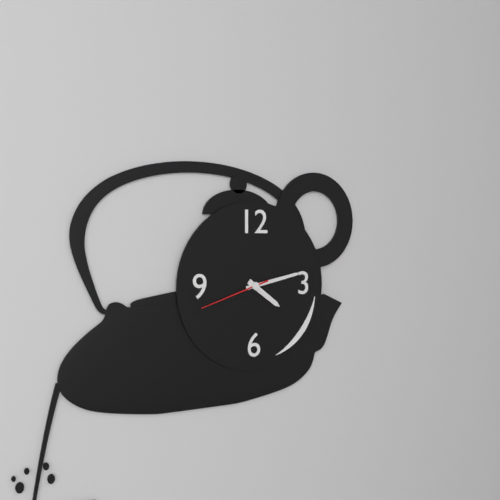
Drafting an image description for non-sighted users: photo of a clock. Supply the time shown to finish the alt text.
4:13:42
